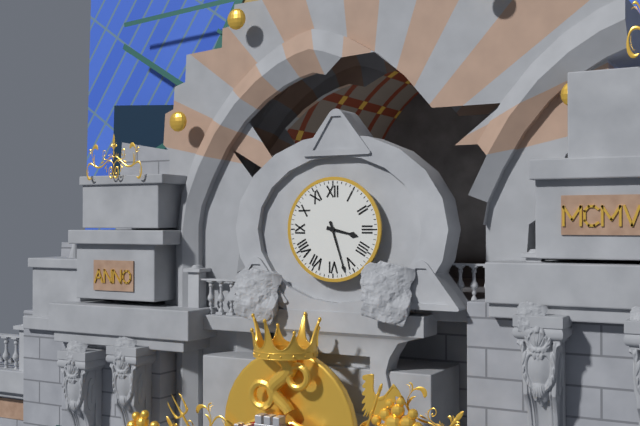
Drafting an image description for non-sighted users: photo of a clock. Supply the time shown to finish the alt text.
3:27
